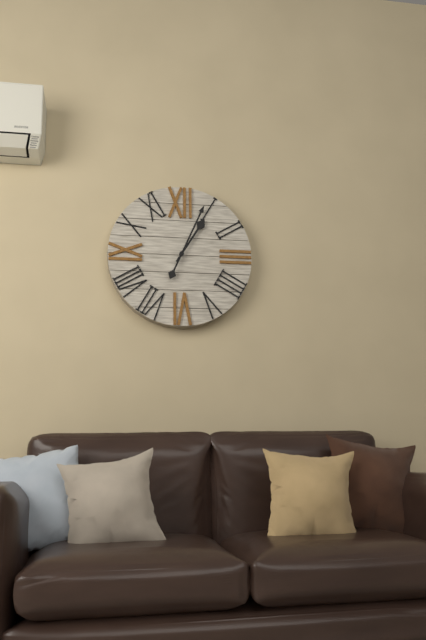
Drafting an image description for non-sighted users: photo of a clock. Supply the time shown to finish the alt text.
1:04
